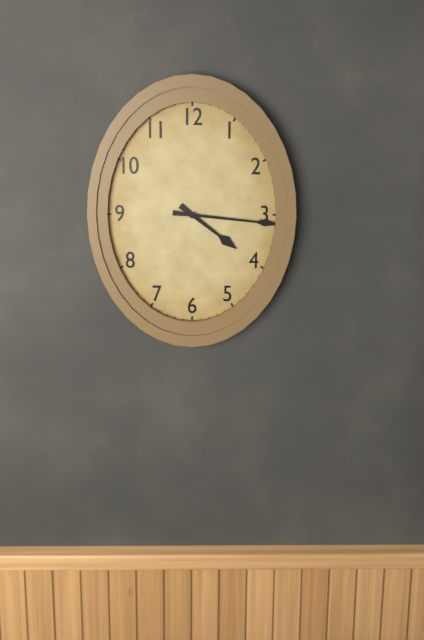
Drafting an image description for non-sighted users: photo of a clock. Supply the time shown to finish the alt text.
4:16
